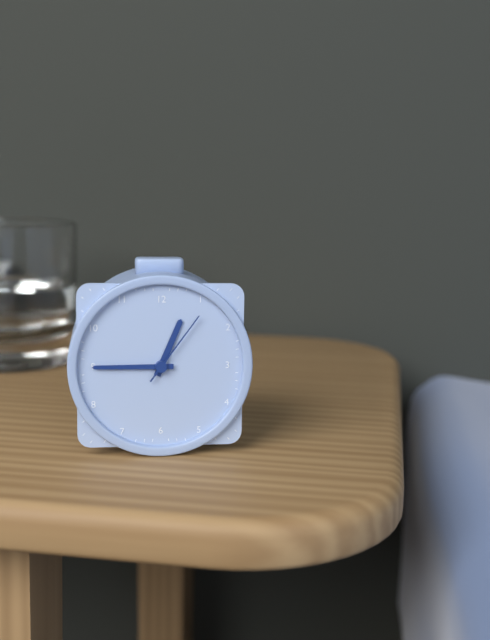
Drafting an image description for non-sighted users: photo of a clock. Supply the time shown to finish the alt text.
12:45:06
